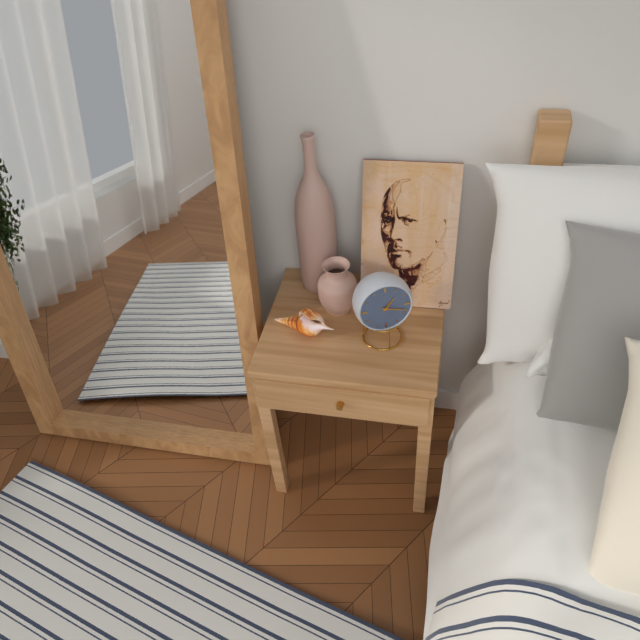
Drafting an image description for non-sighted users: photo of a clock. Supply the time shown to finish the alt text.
1:18
